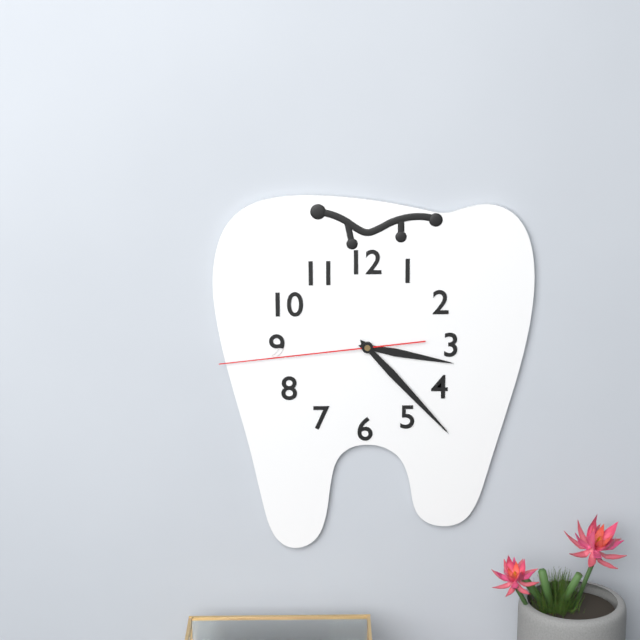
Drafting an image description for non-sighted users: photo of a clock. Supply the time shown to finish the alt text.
3:23:44
